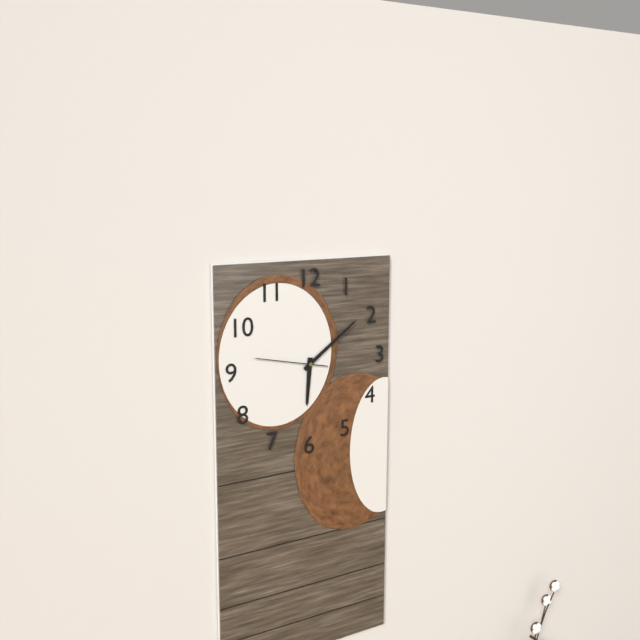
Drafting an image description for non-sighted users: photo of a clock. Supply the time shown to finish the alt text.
6:09:47
